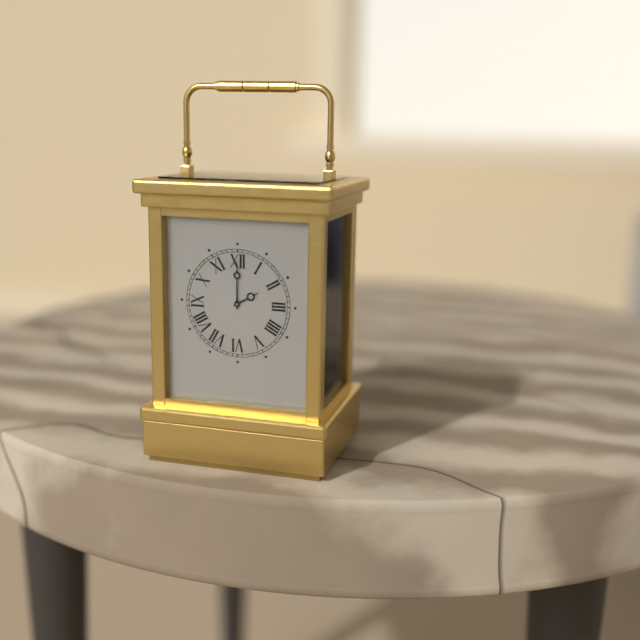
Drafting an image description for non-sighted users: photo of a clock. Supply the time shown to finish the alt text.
2:00
